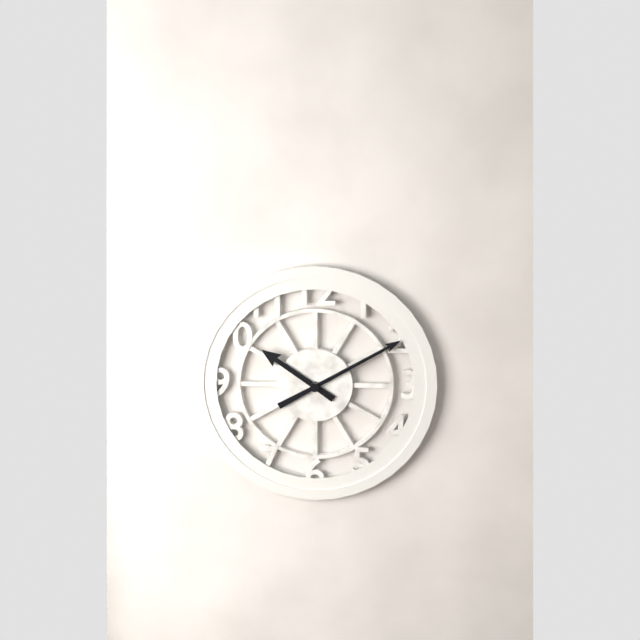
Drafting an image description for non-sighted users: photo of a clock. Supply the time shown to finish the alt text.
10:10
